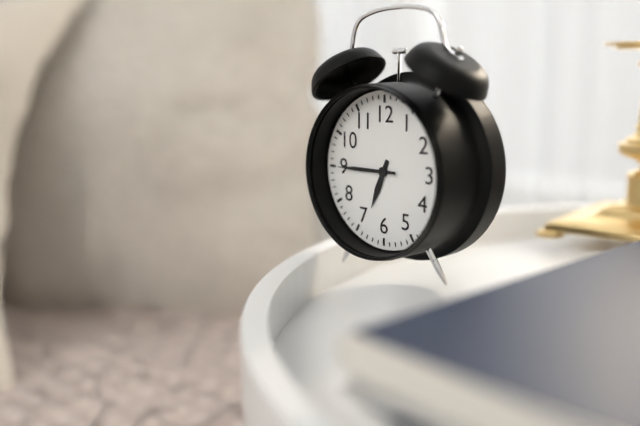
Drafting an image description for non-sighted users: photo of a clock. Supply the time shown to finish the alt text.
6:45
